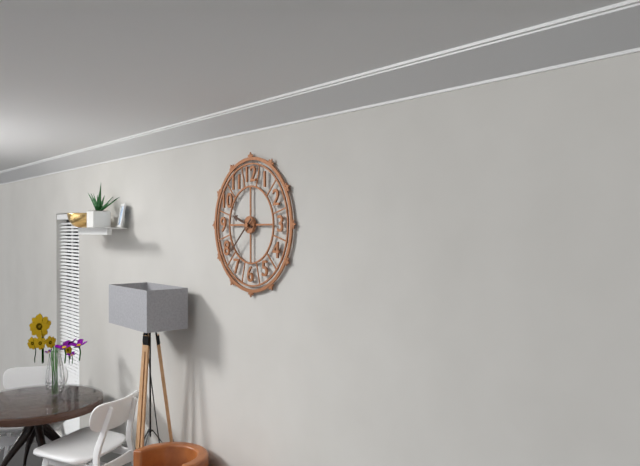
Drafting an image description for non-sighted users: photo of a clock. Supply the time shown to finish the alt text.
9:38
